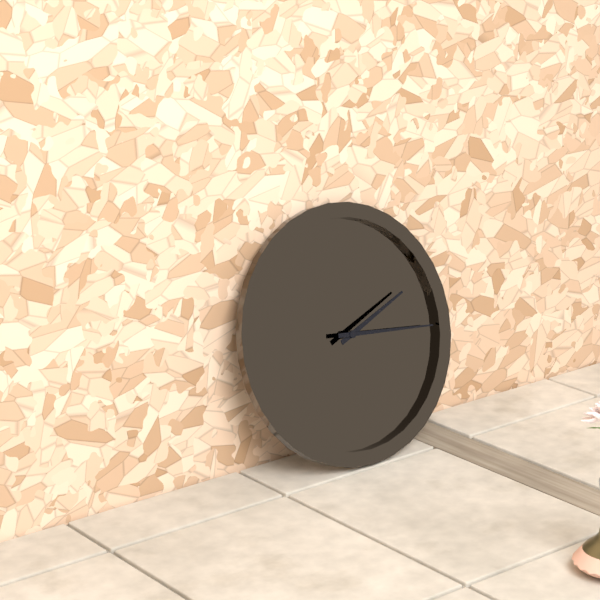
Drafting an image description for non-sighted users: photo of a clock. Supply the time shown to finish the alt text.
2:16
